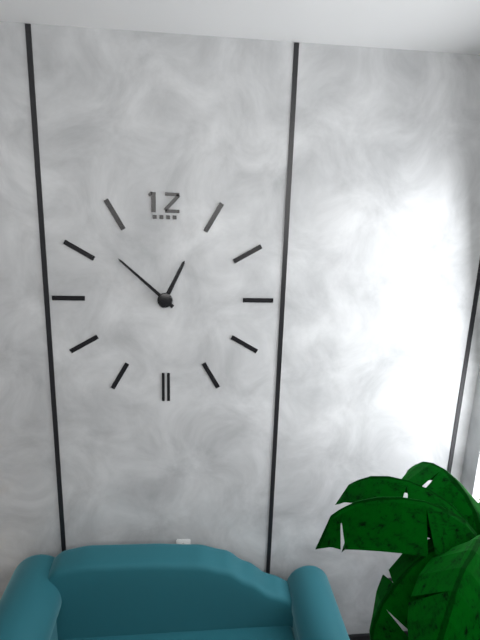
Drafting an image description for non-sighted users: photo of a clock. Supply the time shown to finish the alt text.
12:52
